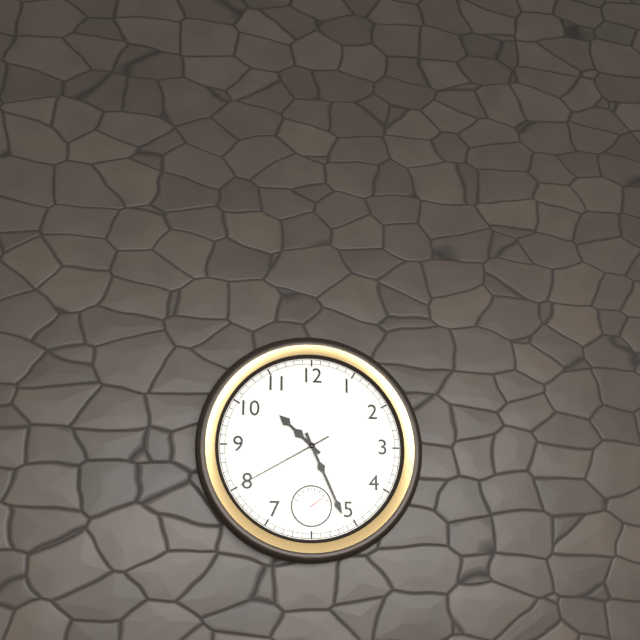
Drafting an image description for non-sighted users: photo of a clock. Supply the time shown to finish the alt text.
10:26:40
